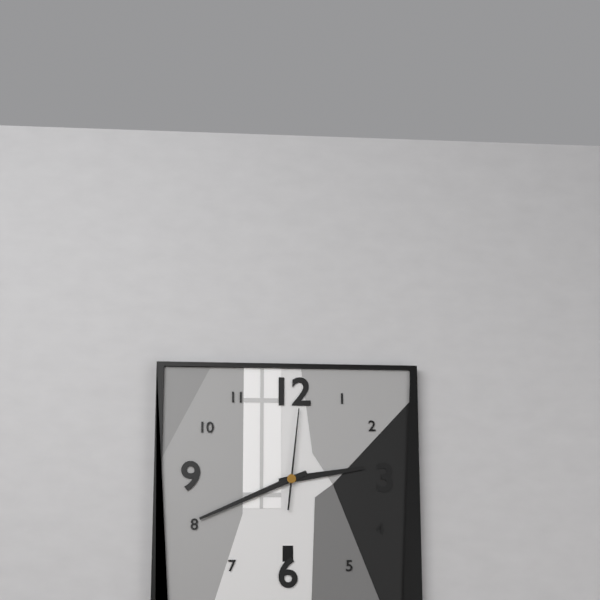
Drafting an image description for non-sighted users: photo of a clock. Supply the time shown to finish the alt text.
2:41:01
